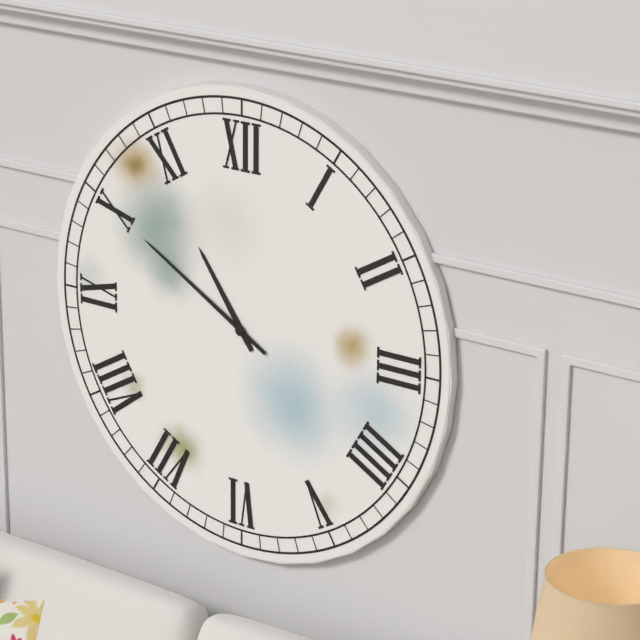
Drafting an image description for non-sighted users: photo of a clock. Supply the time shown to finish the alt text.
10:50
